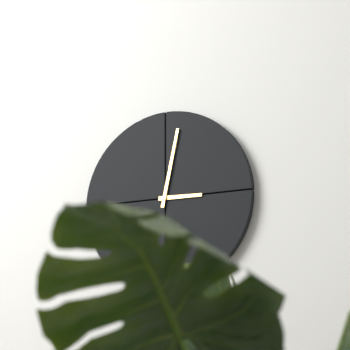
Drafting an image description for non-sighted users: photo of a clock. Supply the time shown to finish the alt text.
3:02
